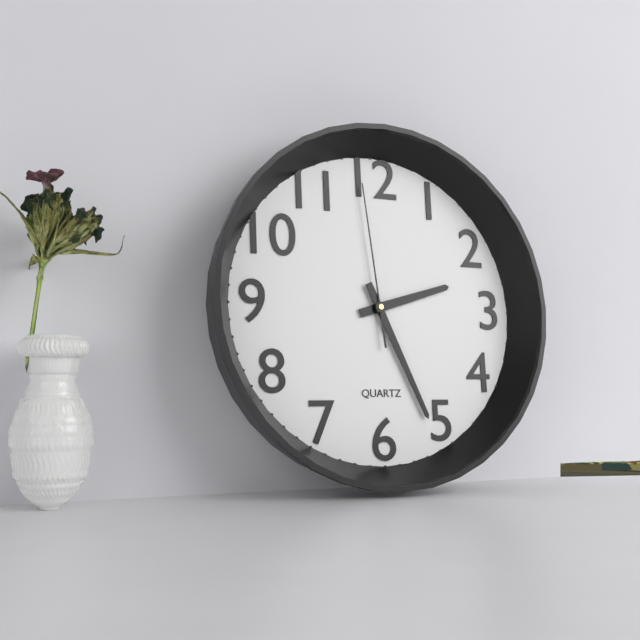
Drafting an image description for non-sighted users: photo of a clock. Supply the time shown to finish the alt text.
2:26:59
